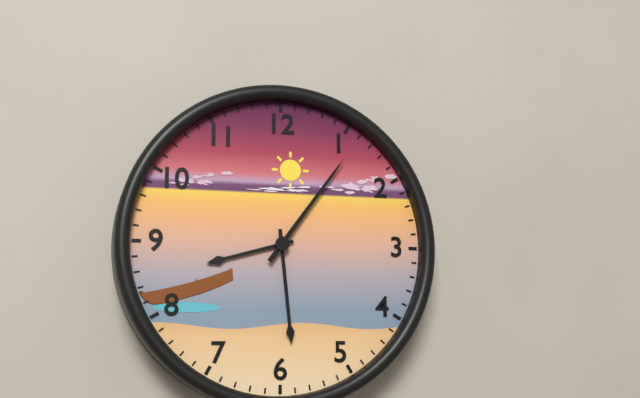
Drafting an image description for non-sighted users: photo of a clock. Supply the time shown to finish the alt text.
8:29:06
